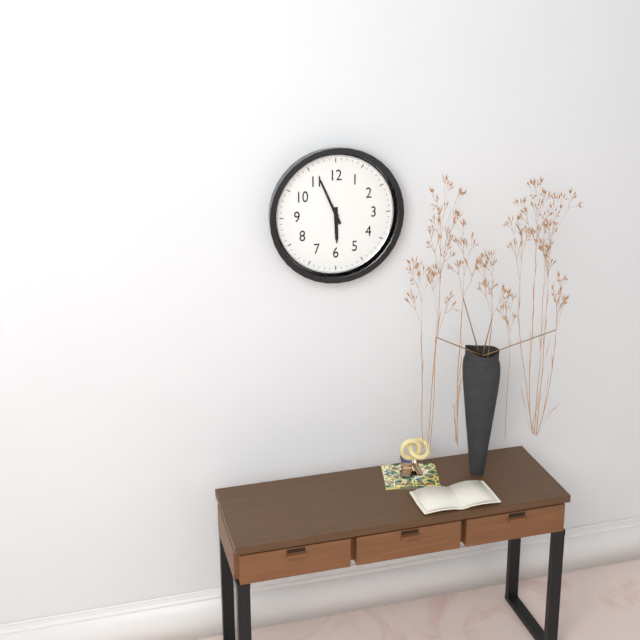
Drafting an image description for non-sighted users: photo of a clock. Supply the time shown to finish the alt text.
5:56
